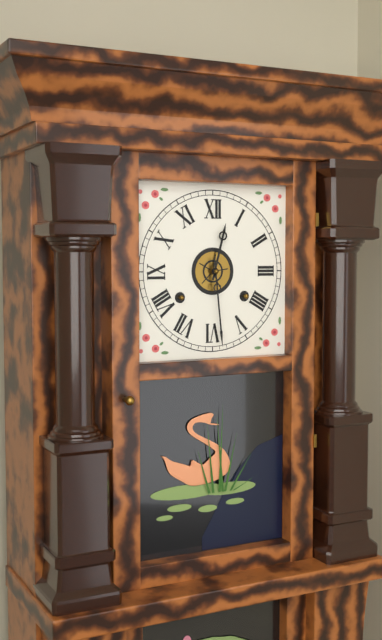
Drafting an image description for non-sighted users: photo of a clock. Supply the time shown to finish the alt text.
12:29
